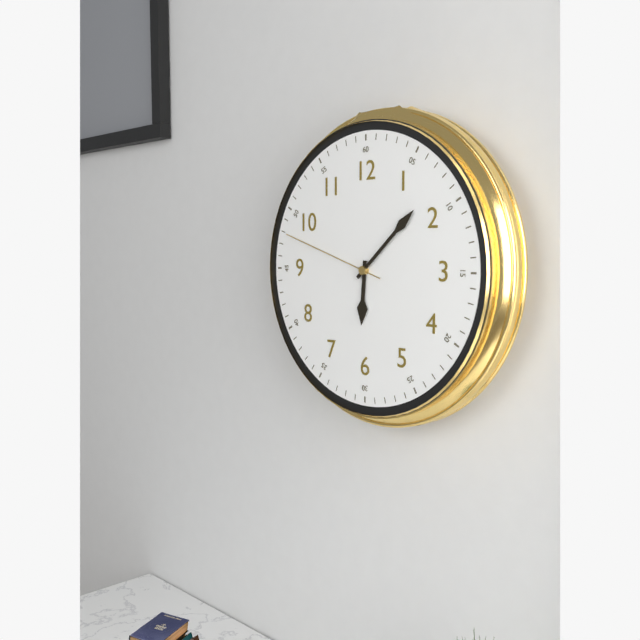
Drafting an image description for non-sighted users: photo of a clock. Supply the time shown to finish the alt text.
6:08:48
